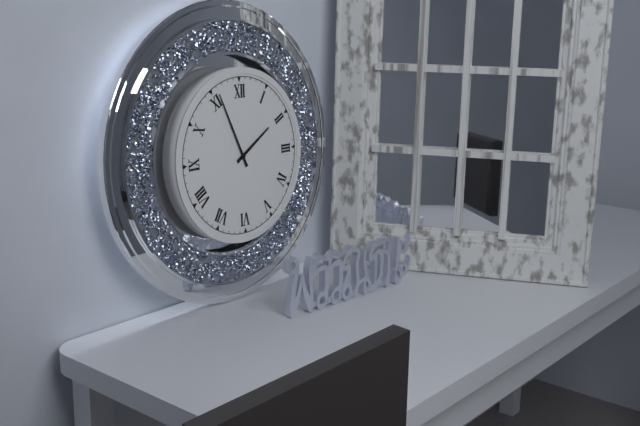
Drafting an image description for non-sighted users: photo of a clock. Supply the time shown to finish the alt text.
1:56
